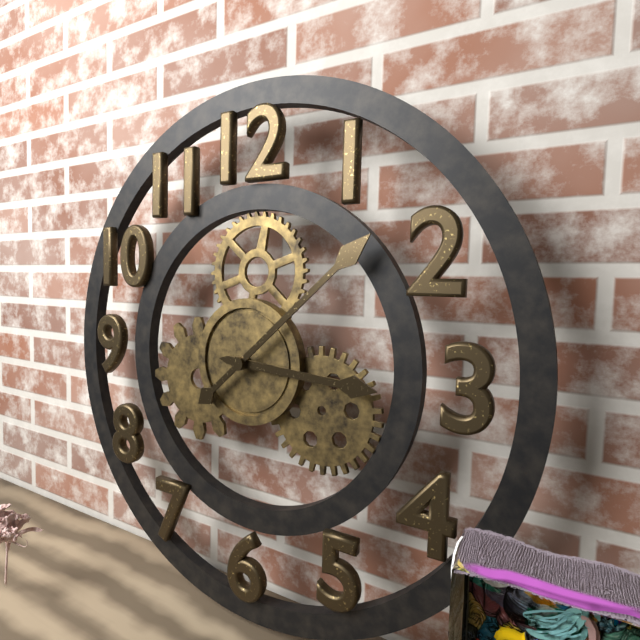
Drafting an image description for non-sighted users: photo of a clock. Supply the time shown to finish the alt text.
3:08
